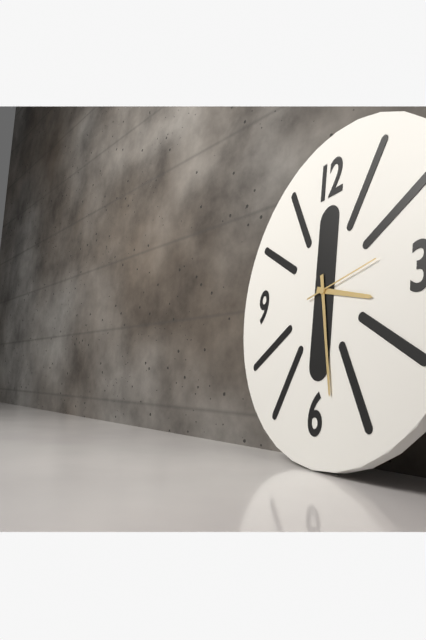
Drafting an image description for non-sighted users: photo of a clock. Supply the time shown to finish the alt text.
3:28:13
